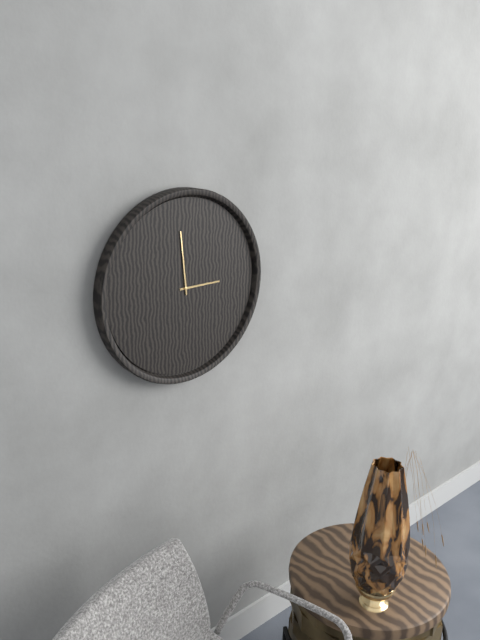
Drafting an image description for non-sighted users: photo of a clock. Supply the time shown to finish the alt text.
2:59
